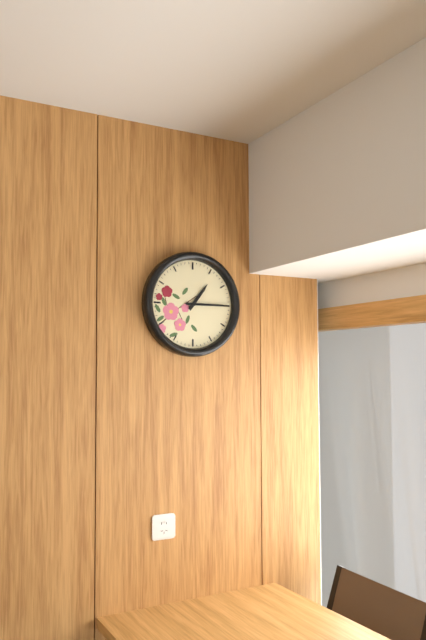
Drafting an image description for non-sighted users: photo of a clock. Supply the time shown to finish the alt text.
1:15
